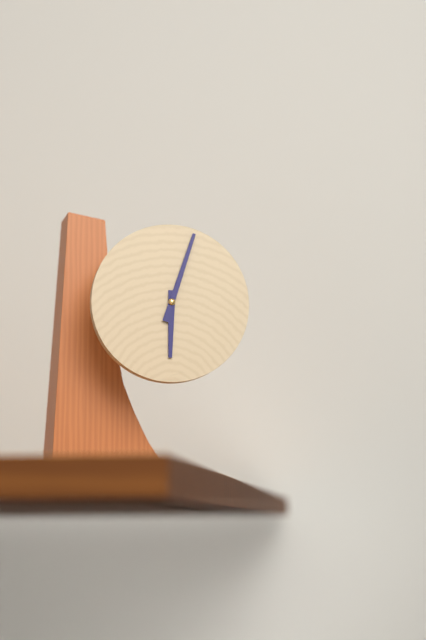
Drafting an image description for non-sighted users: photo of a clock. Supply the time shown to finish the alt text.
6:03
